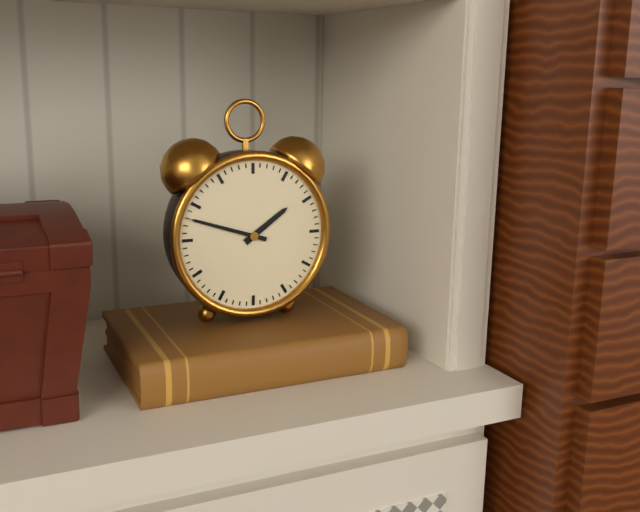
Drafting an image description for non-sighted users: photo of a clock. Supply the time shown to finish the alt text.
1:48
